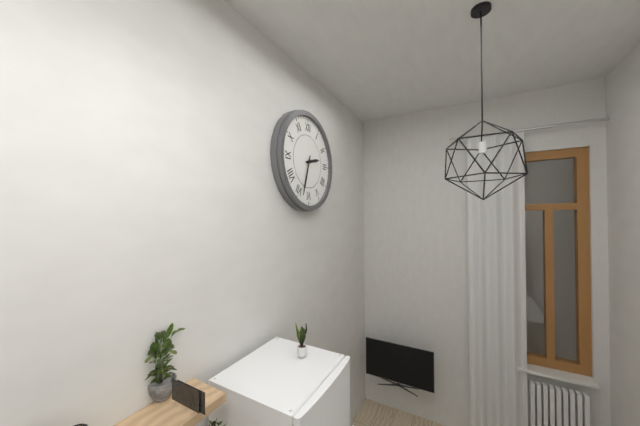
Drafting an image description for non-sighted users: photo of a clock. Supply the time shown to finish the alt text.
2:33
